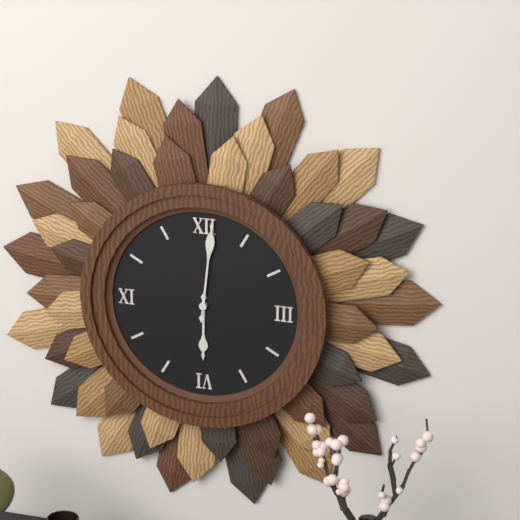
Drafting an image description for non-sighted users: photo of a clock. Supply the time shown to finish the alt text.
6:01
